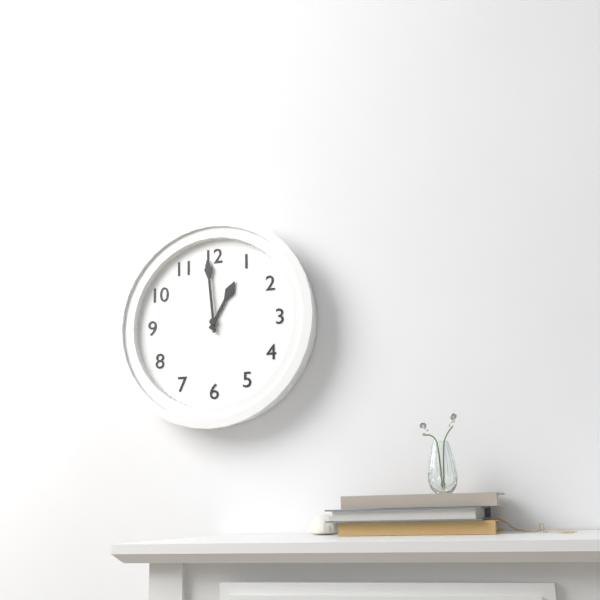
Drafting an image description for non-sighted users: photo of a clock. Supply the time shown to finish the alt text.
12:59
